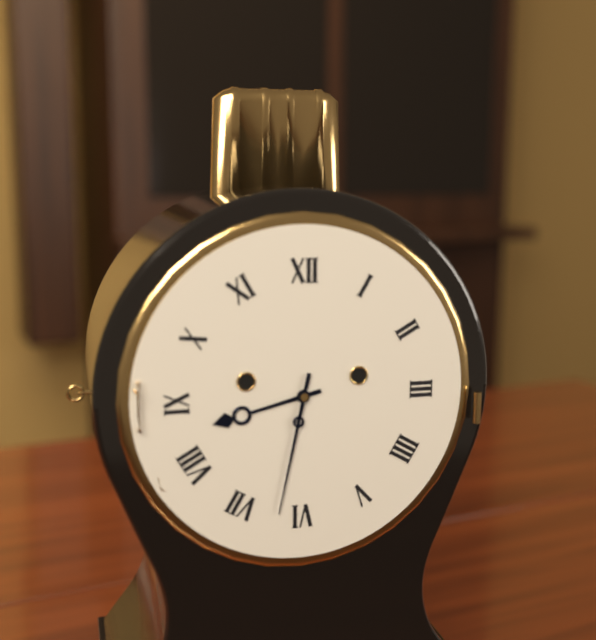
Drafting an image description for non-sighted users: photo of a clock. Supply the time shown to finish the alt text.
8:32
